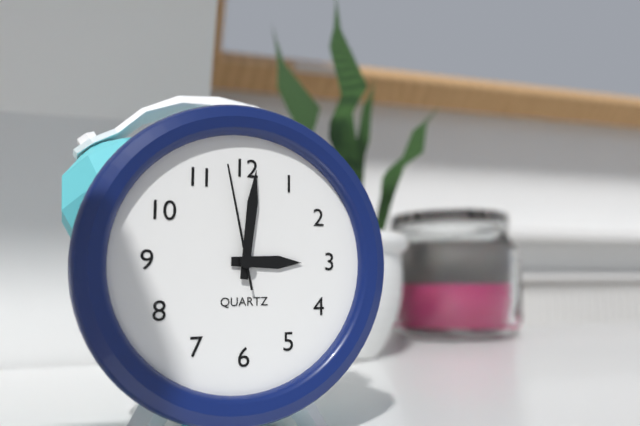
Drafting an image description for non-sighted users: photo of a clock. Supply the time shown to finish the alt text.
3:01:58
